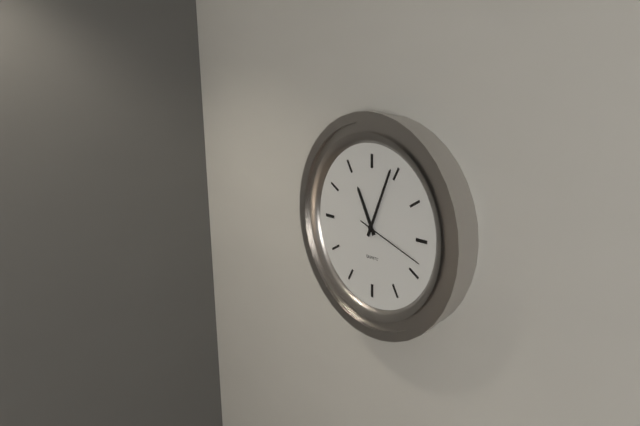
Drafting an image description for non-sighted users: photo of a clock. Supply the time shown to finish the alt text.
11:04:18
